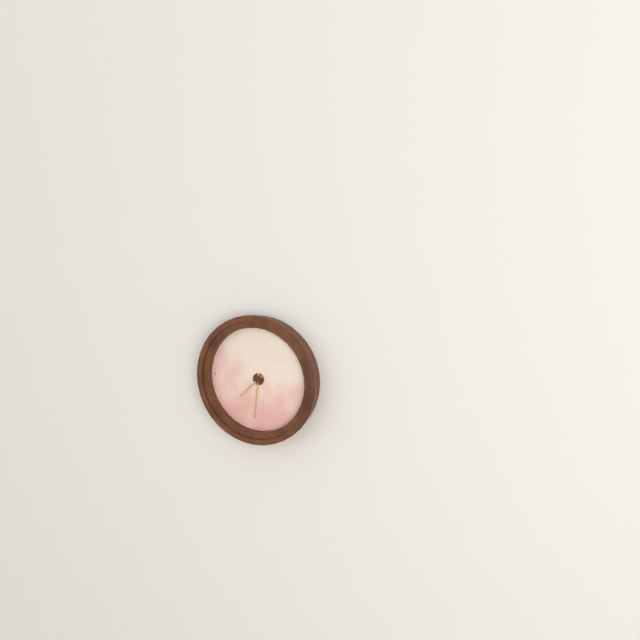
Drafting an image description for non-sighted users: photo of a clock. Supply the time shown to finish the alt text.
7:31
